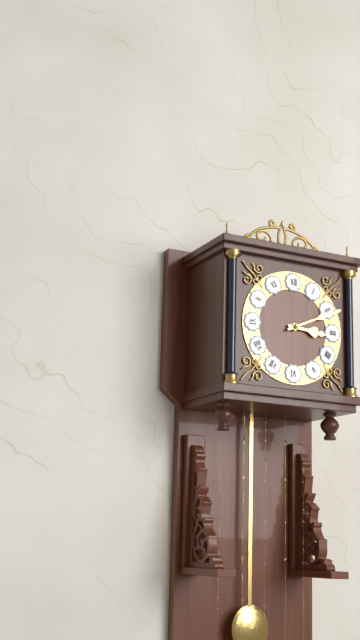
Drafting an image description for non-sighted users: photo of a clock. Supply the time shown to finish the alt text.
3:11
